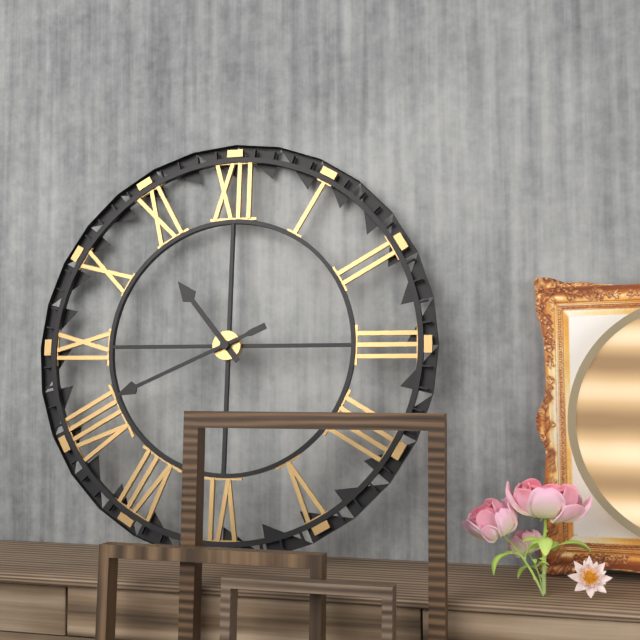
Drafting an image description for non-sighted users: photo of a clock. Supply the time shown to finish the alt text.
10:41
